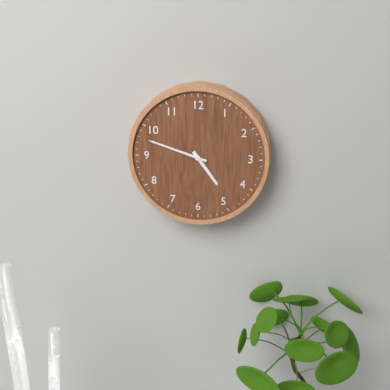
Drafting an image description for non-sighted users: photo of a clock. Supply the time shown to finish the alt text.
4:48
